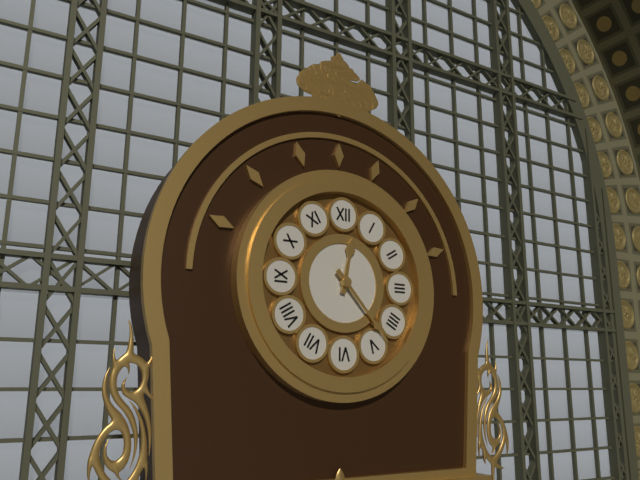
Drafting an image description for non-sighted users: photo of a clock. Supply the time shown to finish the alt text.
12:23
